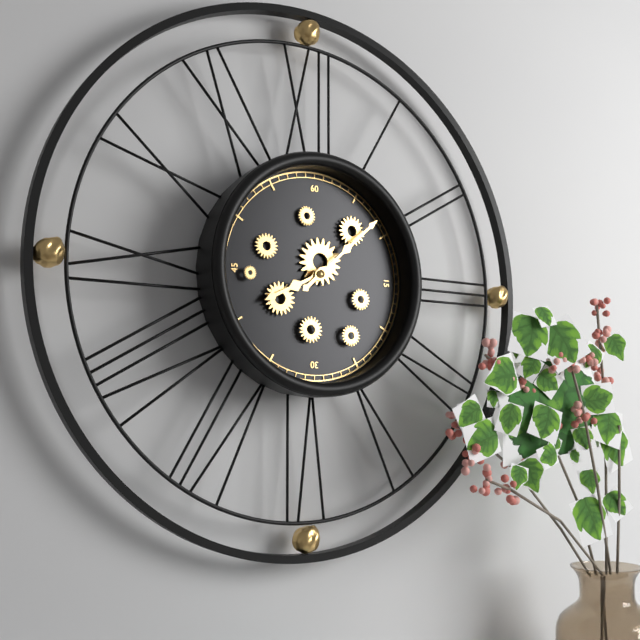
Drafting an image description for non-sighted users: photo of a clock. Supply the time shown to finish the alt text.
8:08
